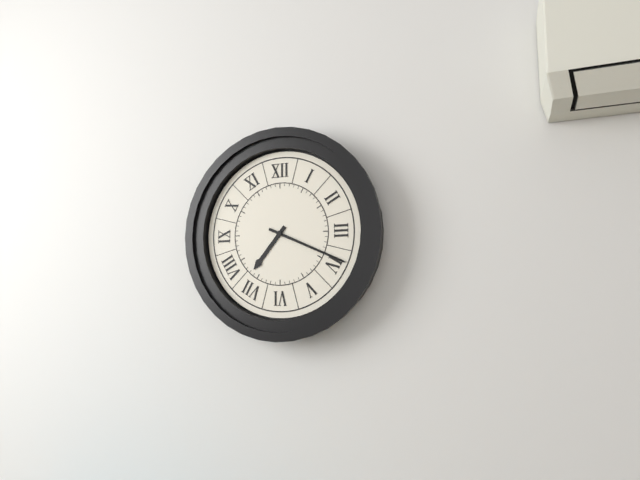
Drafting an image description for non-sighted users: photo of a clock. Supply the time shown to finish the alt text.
7:19
